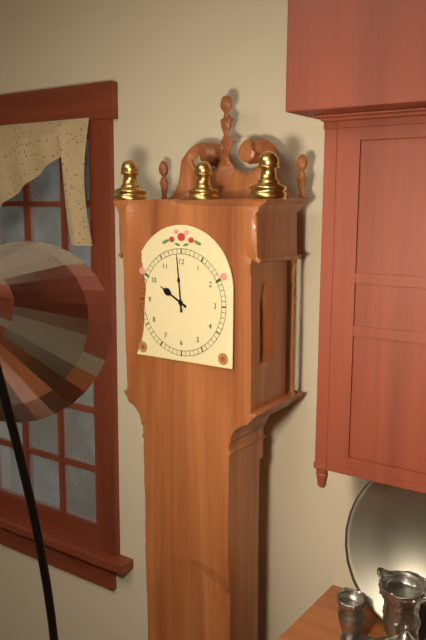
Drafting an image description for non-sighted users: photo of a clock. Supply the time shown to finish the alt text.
9:59
